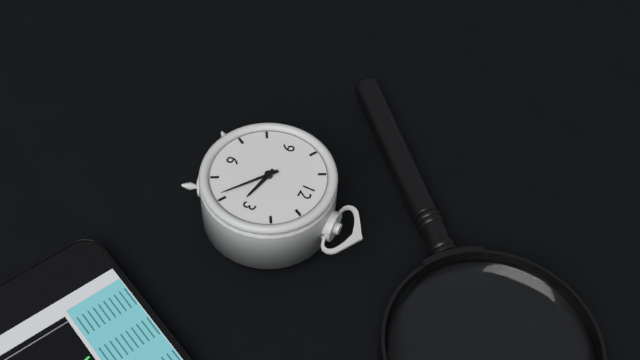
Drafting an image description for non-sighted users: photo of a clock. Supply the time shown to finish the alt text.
3:21
